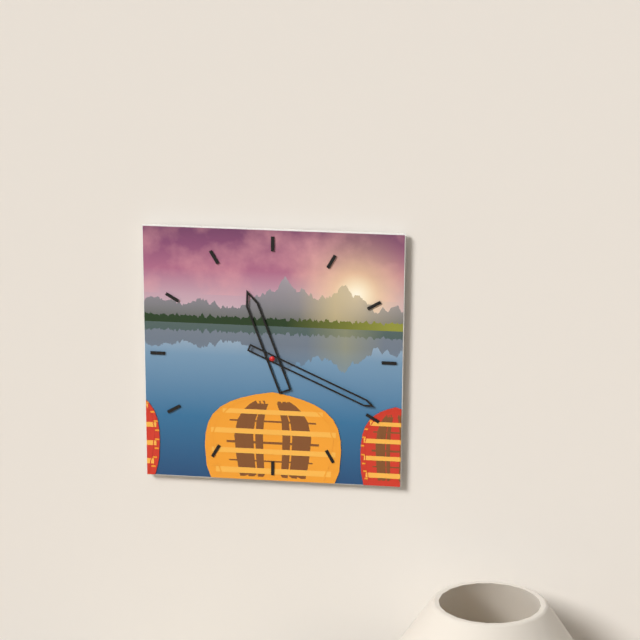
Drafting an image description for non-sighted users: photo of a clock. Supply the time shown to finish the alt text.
11:19
